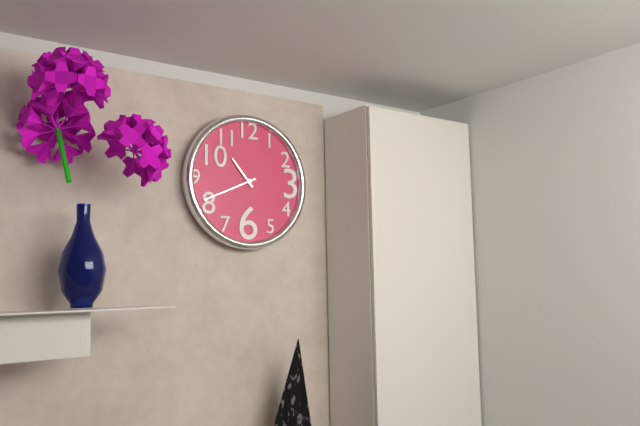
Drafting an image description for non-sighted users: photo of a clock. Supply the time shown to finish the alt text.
10:41
